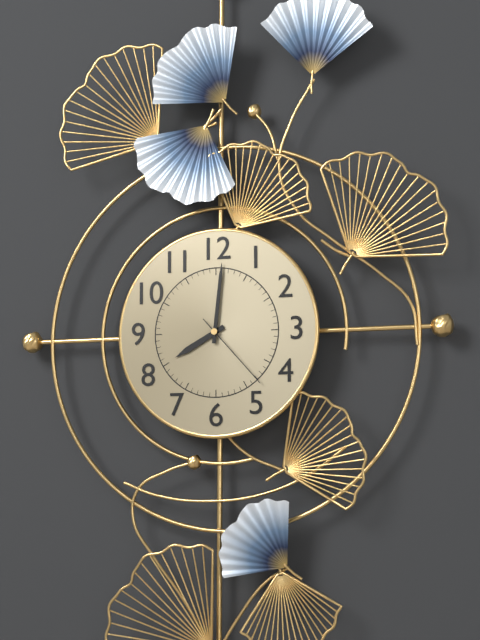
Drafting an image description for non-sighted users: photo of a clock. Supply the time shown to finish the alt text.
8:01:23
